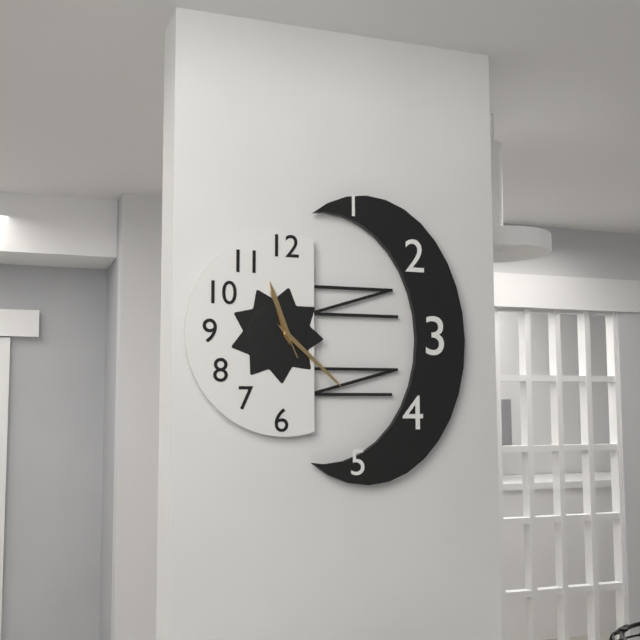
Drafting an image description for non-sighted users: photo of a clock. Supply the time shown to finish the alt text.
11:22:56
